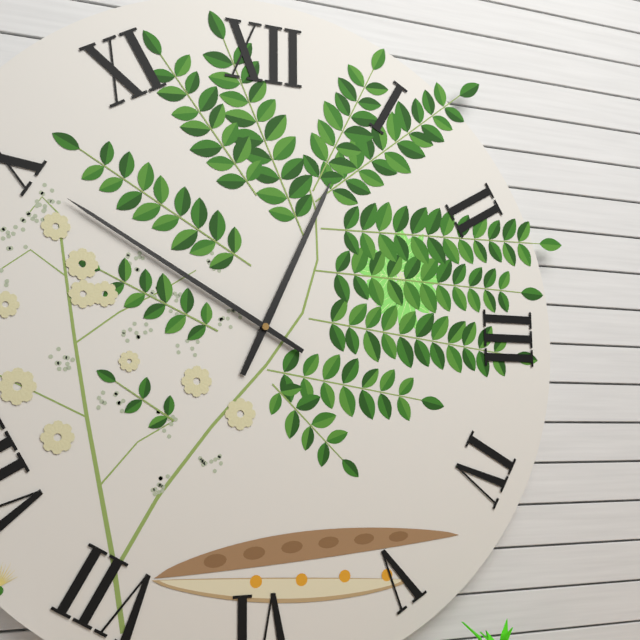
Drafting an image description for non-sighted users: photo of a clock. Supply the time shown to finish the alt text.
12:50
